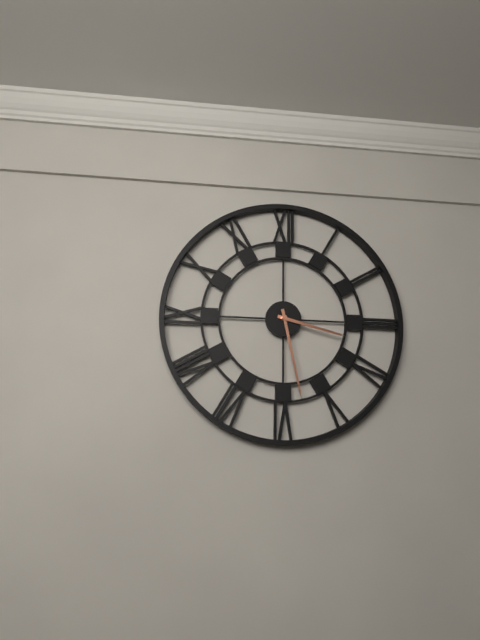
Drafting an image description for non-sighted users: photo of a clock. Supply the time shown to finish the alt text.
3:28
